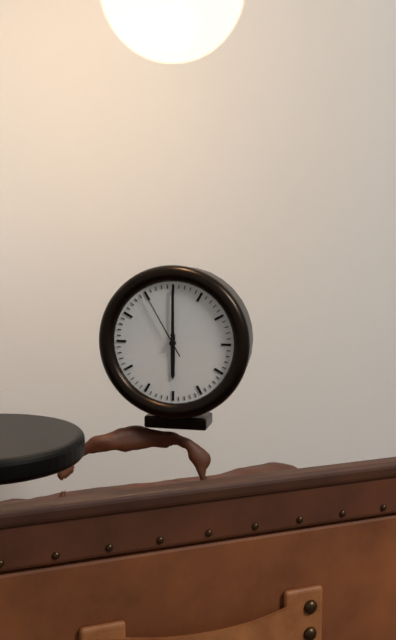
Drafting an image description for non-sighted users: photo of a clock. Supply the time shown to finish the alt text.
6:00:55
